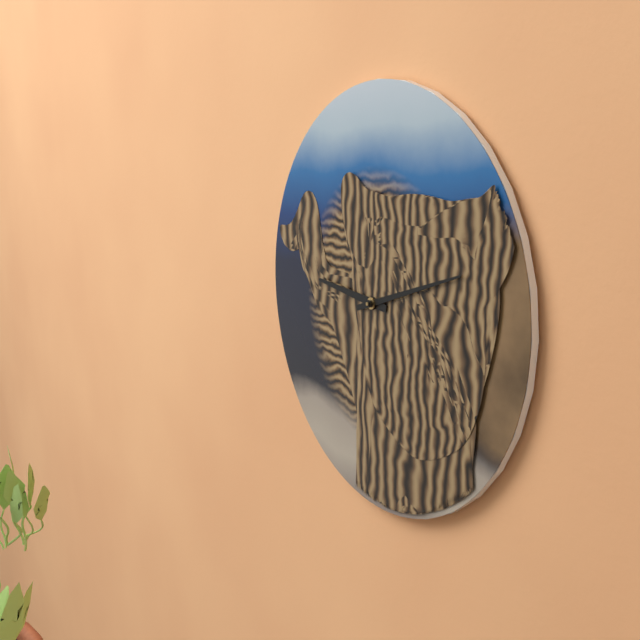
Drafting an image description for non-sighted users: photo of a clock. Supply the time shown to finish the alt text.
9:12
